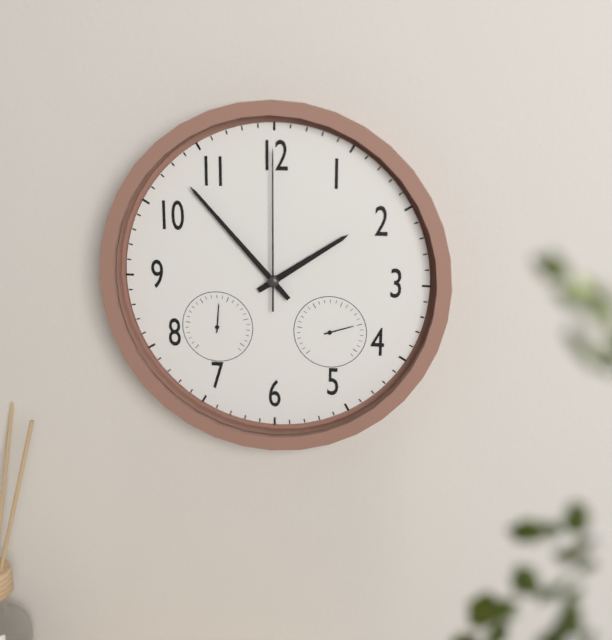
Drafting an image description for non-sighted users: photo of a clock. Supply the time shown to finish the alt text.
1:53:00
